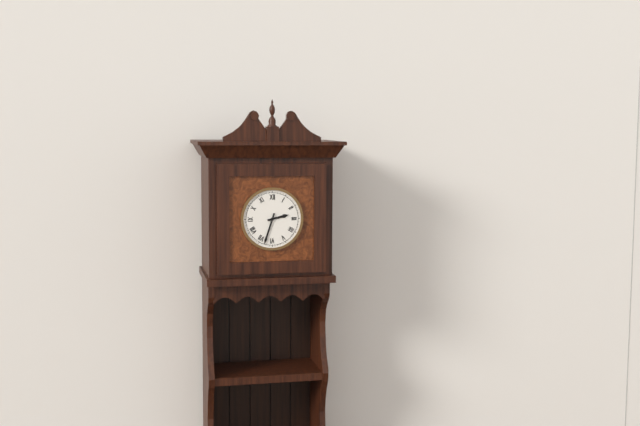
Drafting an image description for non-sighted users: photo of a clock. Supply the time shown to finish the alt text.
2:33
